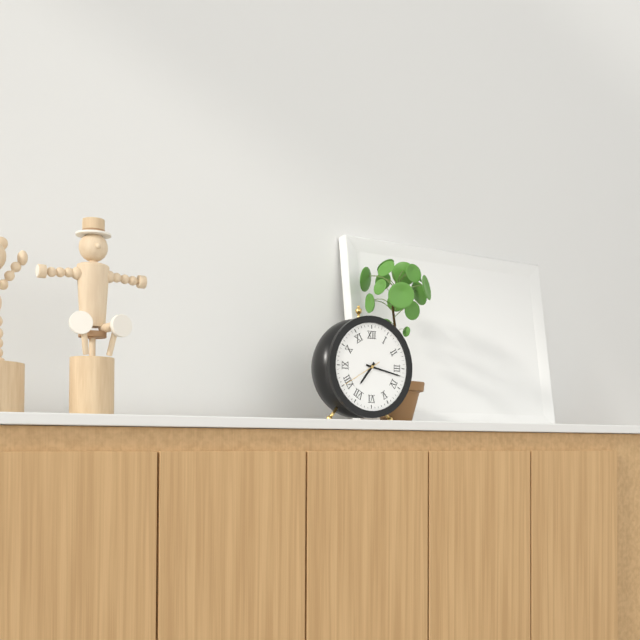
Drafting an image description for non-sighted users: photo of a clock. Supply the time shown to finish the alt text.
7:17
